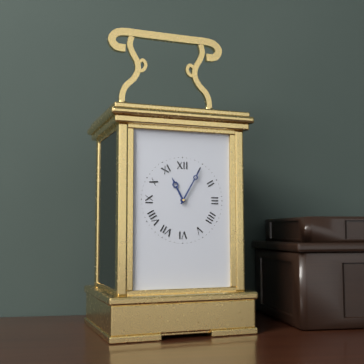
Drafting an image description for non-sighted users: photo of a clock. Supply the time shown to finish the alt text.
11:05
